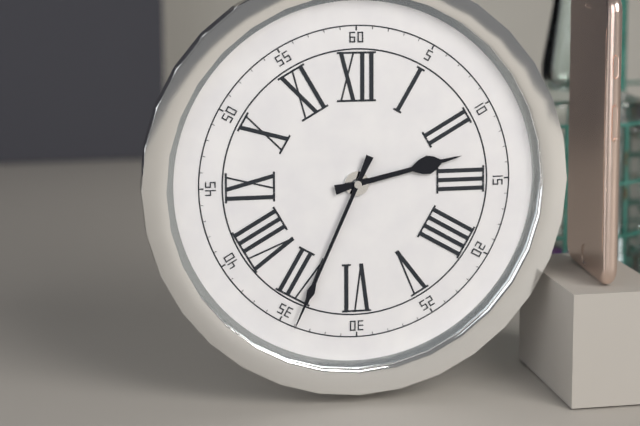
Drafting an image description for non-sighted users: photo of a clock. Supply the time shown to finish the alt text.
2:34
